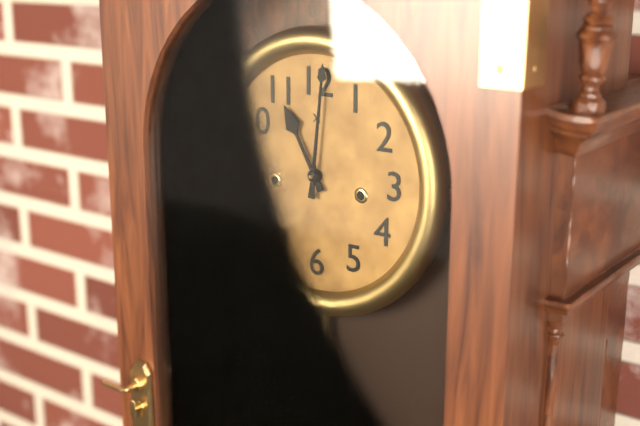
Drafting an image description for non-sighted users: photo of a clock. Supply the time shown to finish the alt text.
11:01
